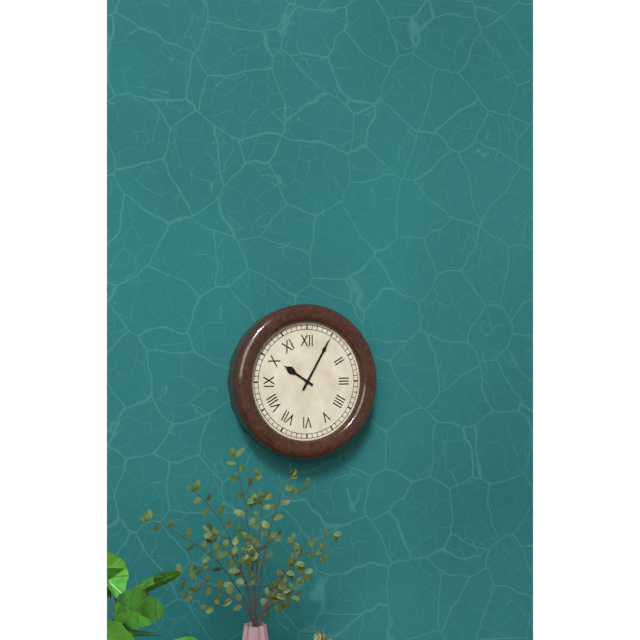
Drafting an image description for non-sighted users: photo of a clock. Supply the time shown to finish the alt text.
10:05
